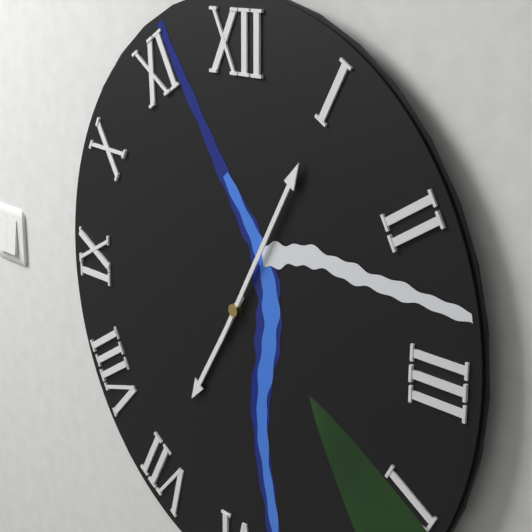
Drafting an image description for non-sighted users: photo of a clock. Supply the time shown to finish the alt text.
7:05
